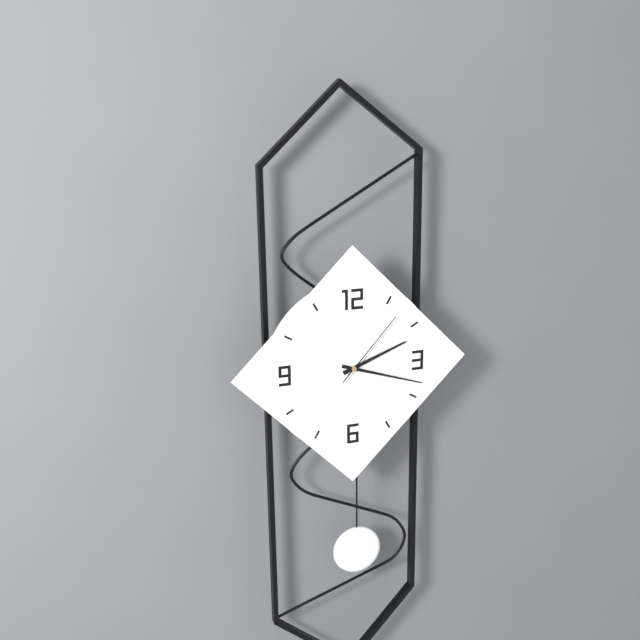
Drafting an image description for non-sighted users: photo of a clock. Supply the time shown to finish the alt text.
2:18:07
